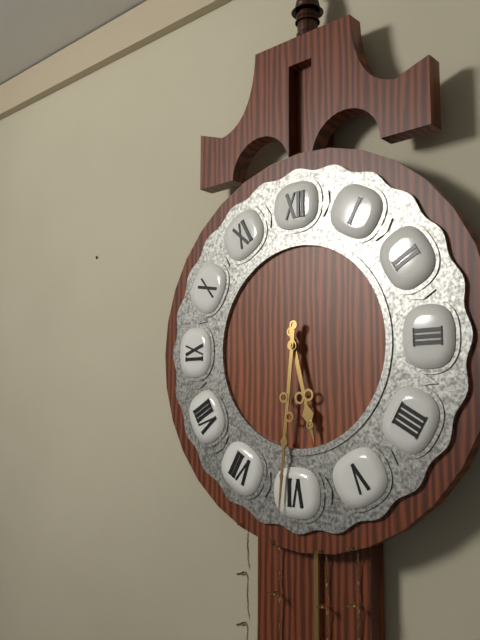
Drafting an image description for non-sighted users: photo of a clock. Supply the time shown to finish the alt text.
5:31
